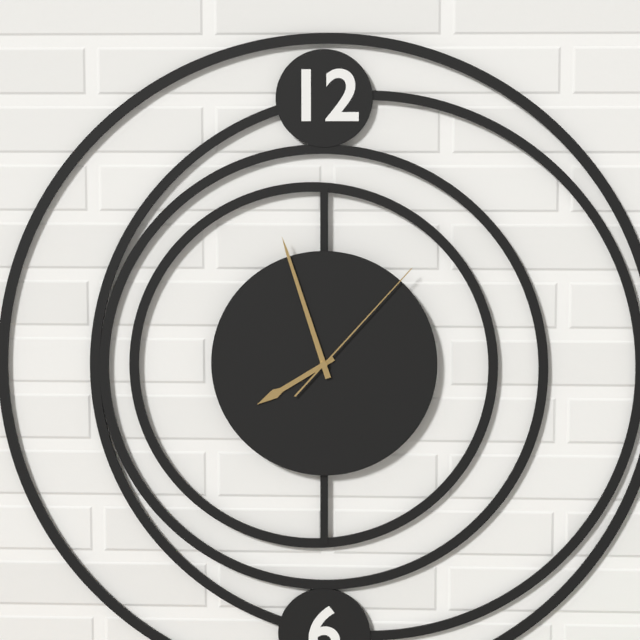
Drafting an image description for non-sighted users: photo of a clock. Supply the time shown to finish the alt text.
7:57:07
